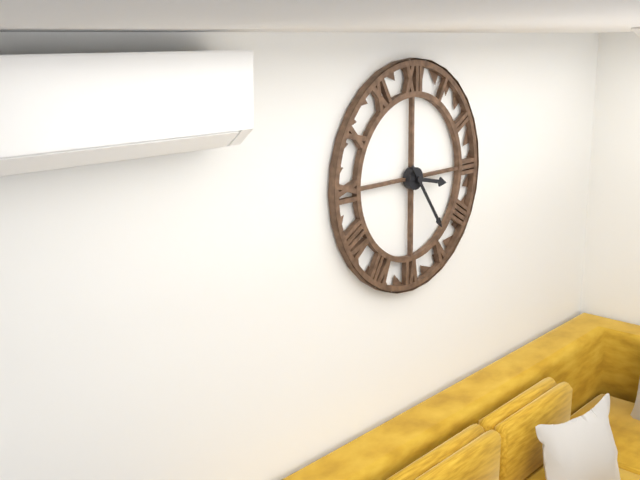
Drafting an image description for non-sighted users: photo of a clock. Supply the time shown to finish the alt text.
3:24
